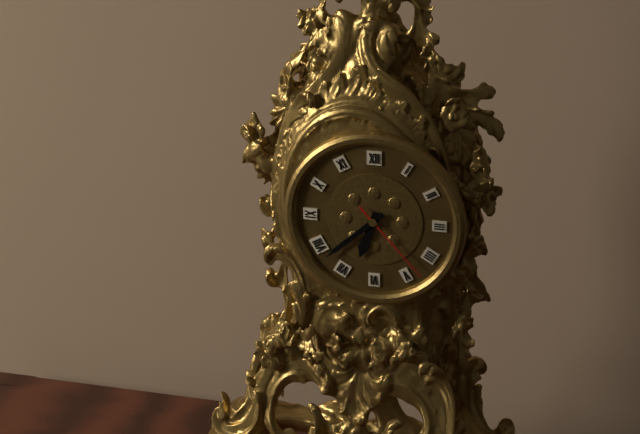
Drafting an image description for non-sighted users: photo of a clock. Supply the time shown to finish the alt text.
6:38:23
